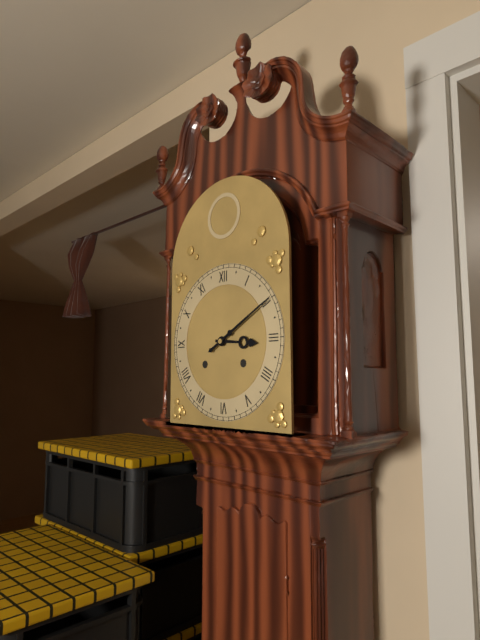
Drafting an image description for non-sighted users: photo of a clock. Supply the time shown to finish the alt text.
3:10
